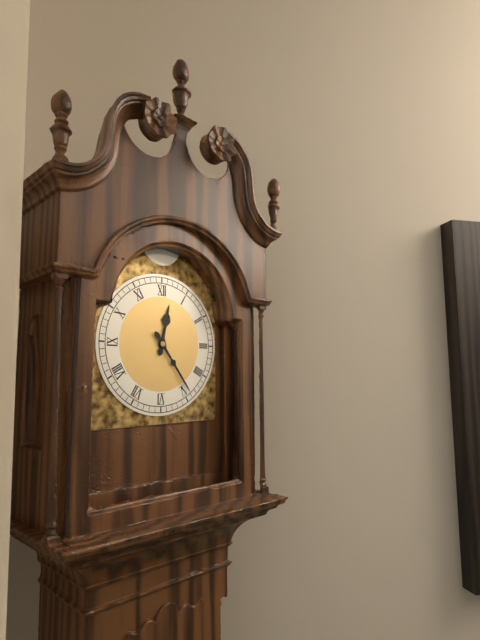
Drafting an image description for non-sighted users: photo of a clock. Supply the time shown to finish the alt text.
12:24
